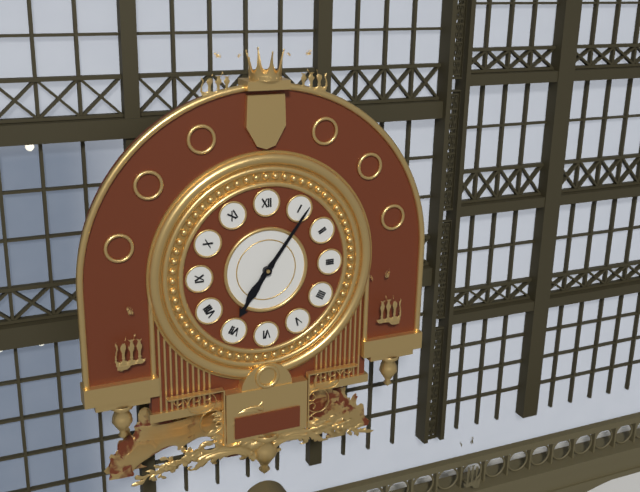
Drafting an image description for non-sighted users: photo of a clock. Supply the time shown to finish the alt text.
7:06
